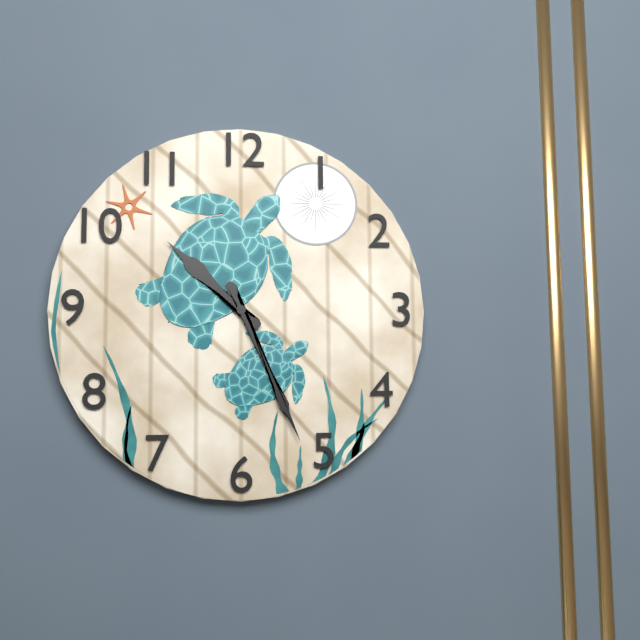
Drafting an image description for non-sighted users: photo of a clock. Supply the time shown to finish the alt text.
10:26
